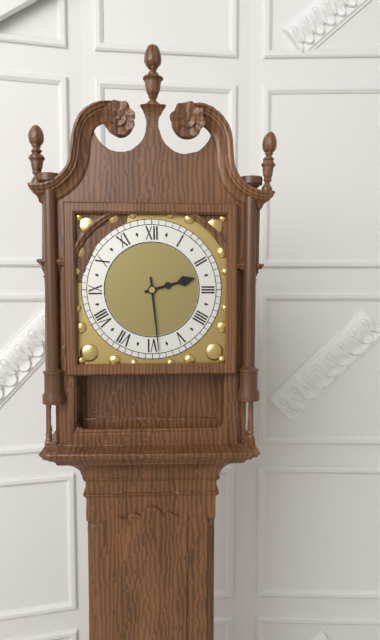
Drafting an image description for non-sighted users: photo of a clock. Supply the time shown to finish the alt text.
2:29
